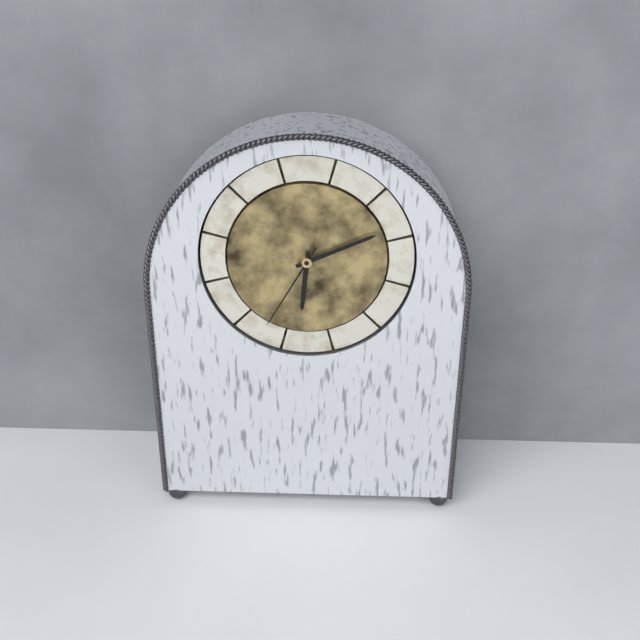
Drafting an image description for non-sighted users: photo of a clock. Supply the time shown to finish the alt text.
6:11:35
